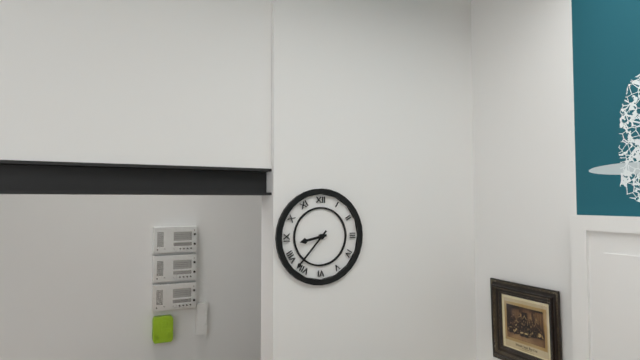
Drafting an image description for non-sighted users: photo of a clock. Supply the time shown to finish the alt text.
8:37
